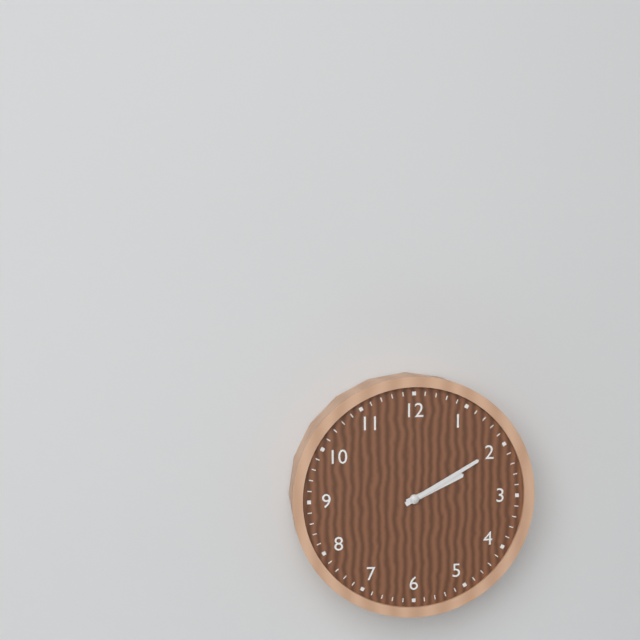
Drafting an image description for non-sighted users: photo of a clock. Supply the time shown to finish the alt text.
2:10
